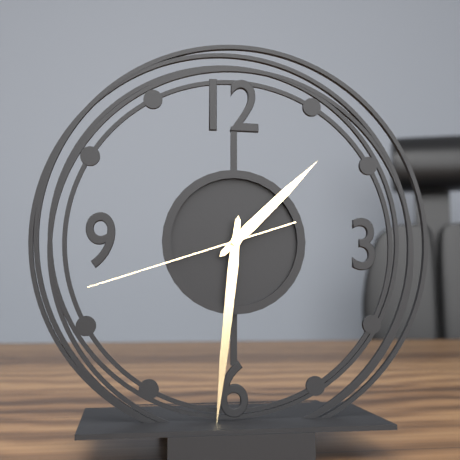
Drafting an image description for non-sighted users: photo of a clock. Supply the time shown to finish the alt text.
1:31:42
